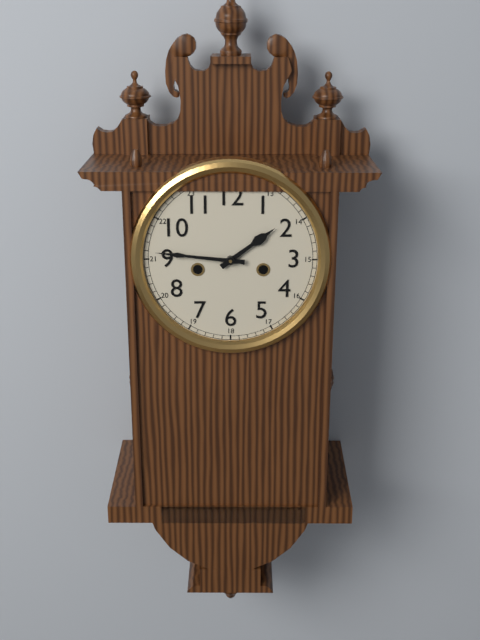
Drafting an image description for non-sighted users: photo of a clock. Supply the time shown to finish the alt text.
1:46
